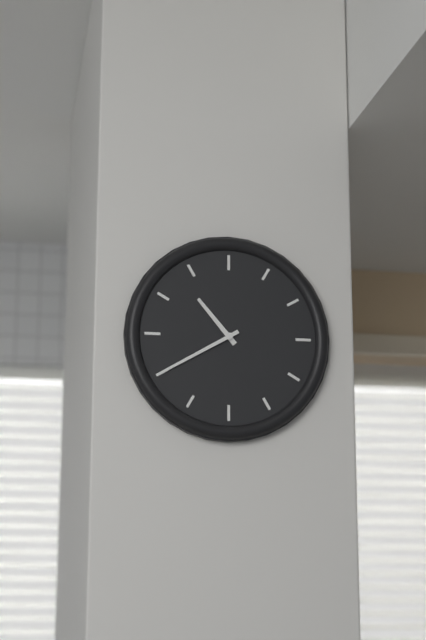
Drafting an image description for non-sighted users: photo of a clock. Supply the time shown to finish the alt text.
10:40
